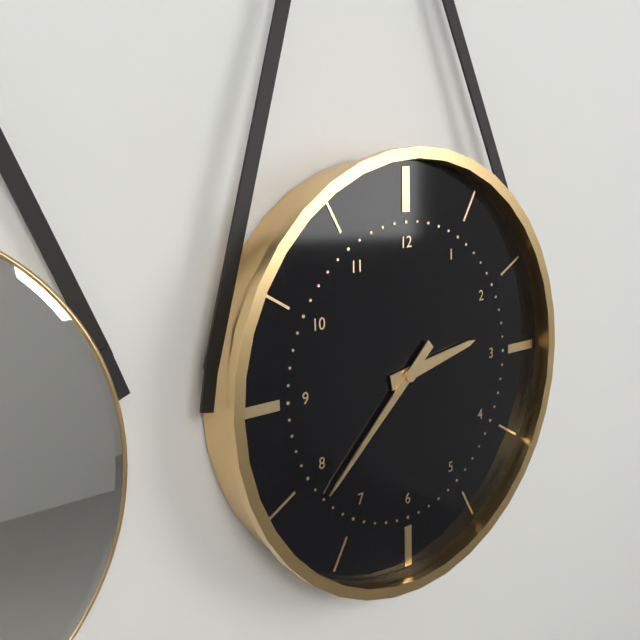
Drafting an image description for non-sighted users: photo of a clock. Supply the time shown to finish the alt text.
2:38
